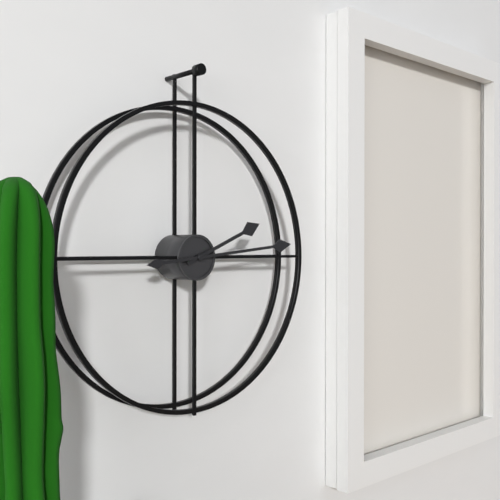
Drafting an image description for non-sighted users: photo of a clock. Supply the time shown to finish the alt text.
2:14
